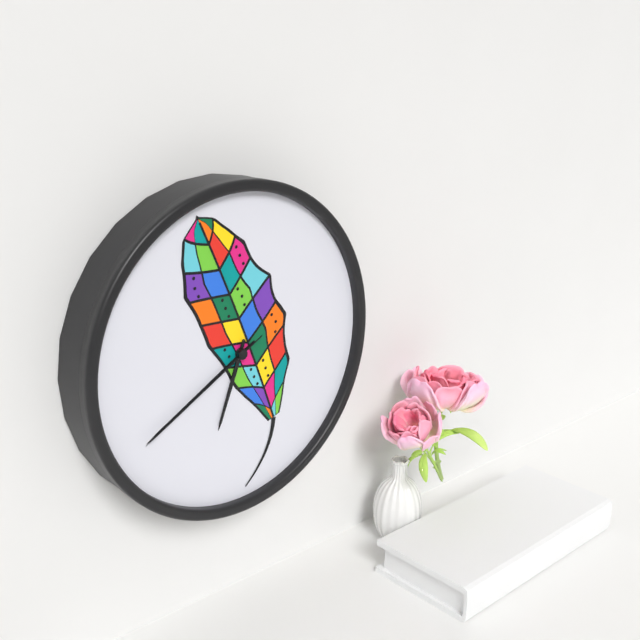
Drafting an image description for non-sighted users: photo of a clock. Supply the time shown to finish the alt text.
6:40:40
